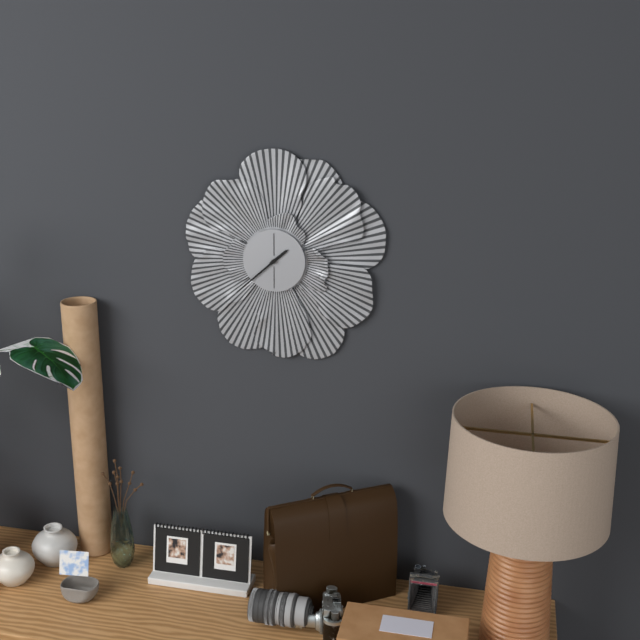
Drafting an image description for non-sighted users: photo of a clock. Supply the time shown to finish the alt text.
1:38
